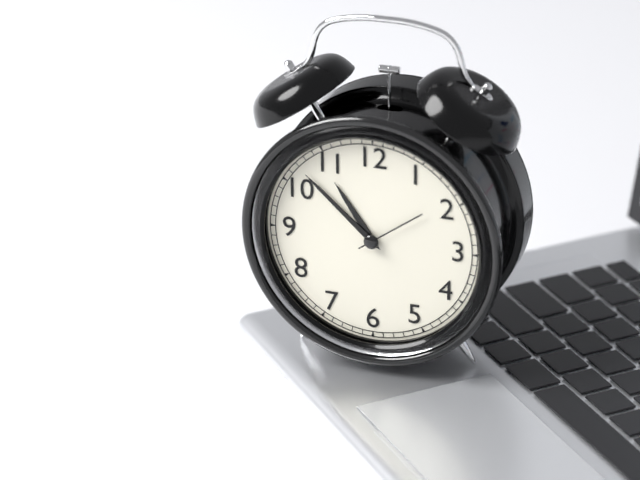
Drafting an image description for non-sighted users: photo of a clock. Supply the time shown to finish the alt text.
10:52
